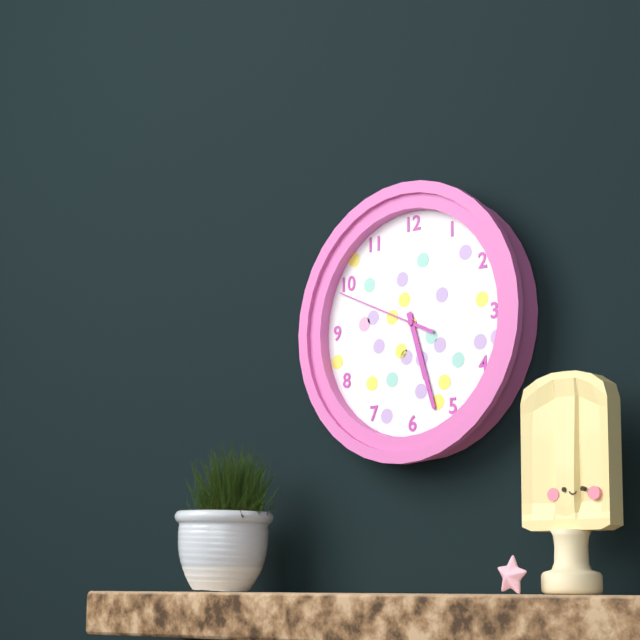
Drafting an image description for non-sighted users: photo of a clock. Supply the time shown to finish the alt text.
5:27:49
